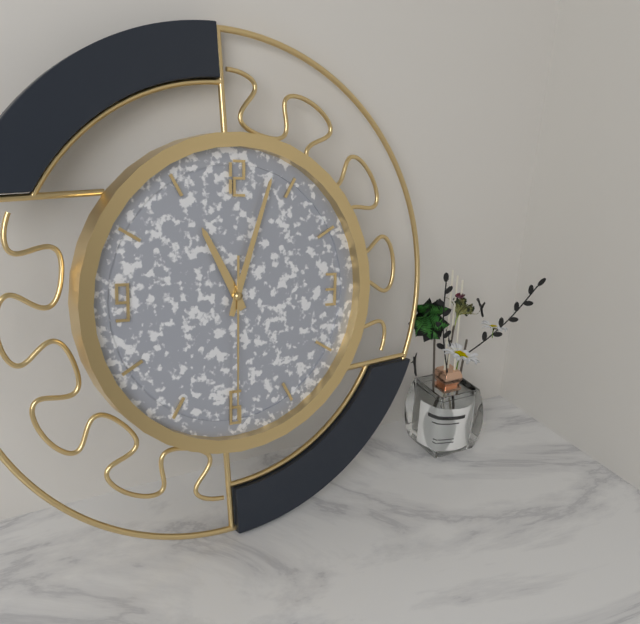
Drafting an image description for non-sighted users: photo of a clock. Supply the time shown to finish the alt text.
11:03:30
